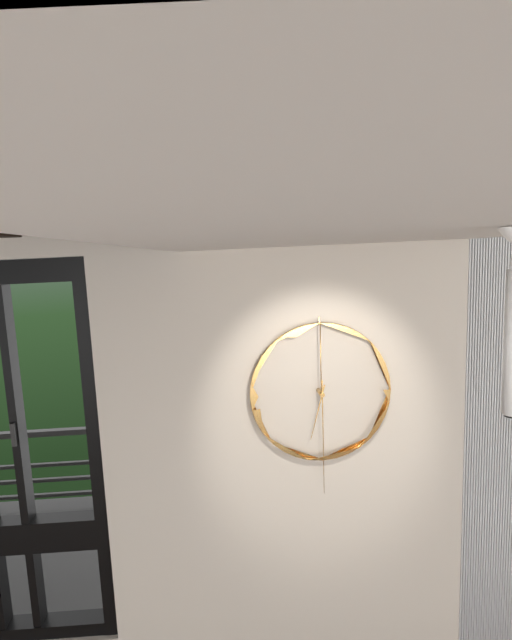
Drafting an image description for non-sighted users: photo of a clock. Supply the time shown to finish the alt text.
6:30
